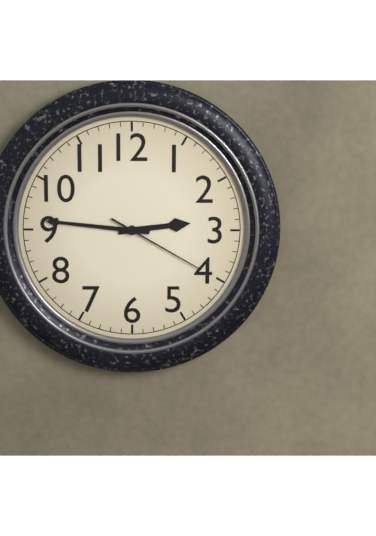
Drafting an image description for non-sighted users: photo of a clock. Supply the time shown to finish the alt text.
2:46:20
